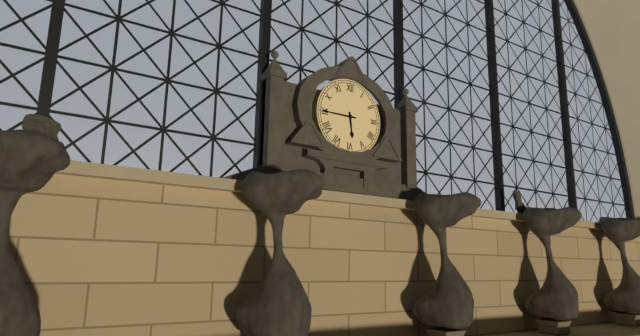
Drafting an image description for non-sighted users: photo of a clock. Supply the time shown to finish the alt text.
5:45
